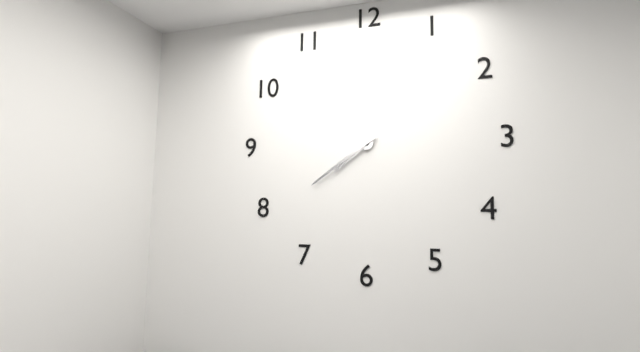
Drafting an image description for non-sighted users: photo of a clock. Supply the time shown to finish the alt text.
7:39
